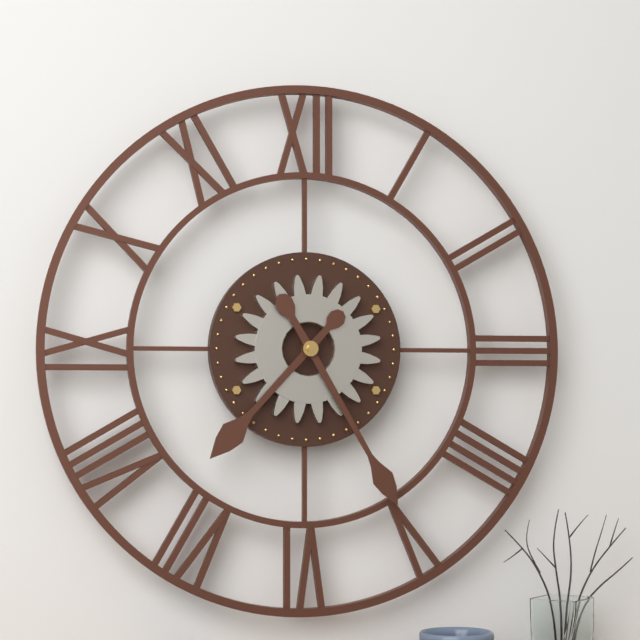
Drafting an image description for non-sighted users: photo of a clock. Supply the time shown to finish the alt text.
7:25
